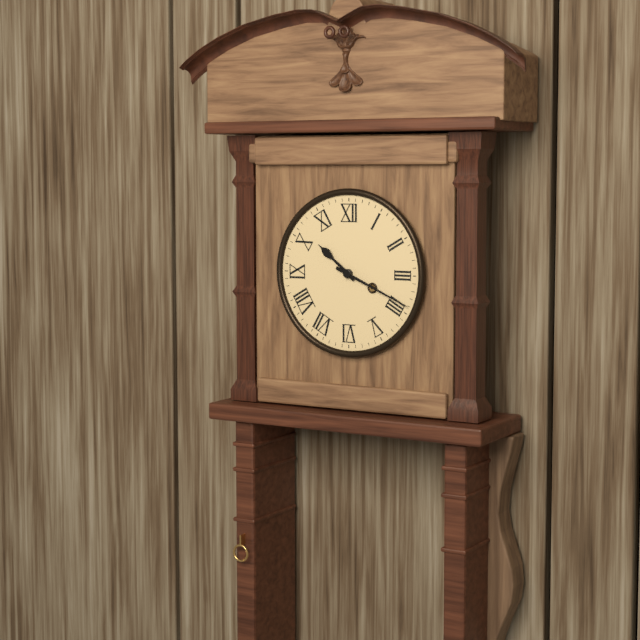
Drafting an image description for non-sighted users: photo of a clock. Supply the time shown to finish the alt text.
10:19
